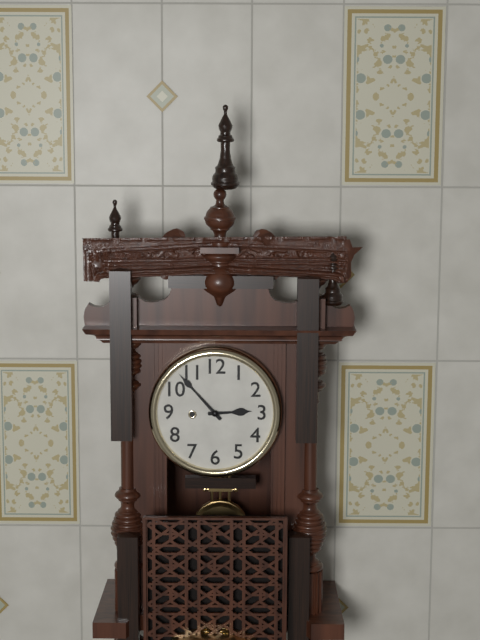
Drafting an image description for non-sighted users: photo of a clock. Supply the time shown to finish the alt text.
2:53
